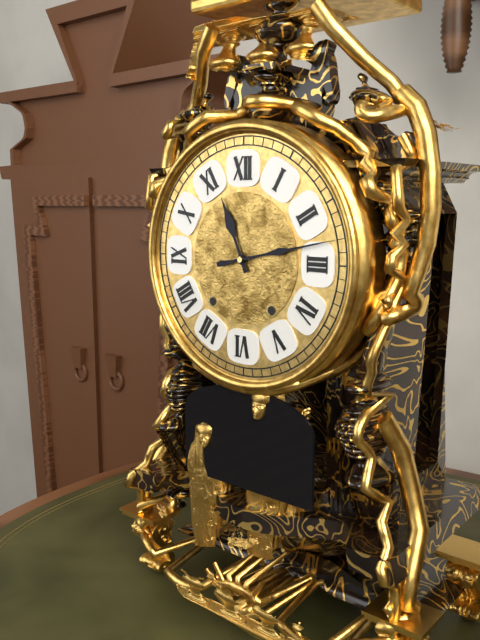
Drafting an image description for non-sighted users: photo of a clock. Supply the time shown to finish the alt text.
11:13
